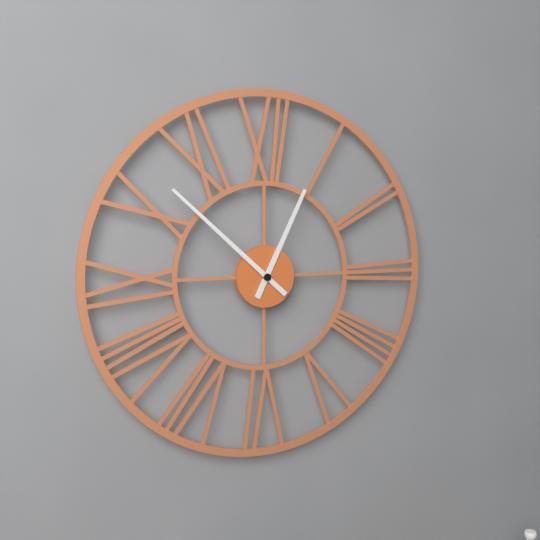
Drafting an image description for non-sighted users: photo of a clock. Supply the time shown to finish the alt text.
12:52
